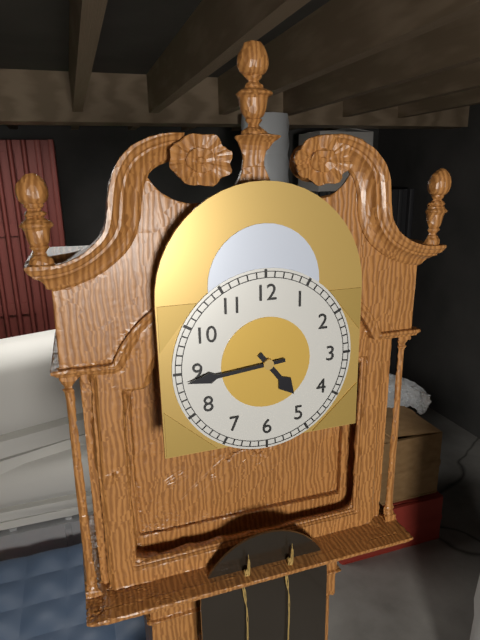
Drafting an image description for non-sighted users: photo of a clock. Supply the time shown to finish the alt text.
4:44
